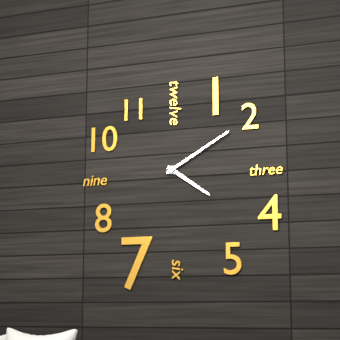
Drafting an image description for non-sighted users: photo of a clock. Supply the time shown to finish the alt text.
4:10
